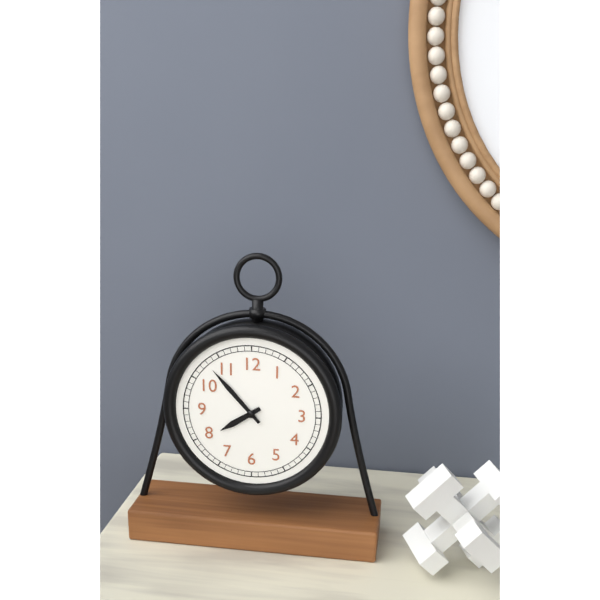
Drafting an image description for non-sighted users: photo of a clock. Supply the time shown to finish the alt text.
7:53
